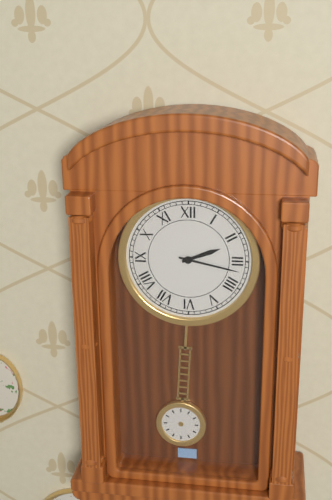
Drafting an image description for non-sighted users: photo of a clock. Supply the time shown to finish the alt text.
2:17
